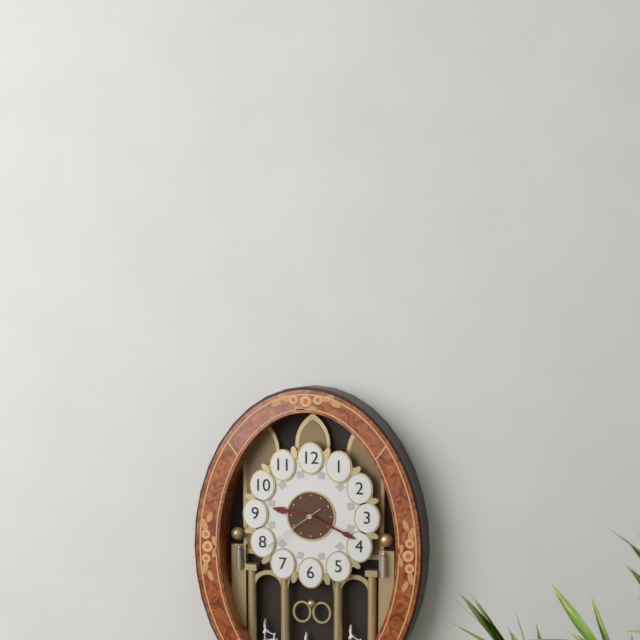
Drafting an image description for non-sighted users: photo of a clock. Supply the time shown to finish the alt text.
9:19:39
